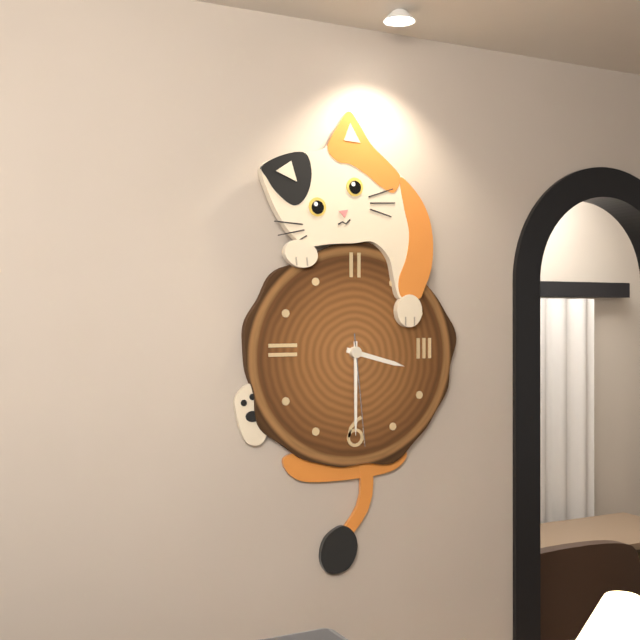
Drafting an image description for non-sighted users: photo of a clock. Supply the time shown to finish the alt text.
3:30:29
